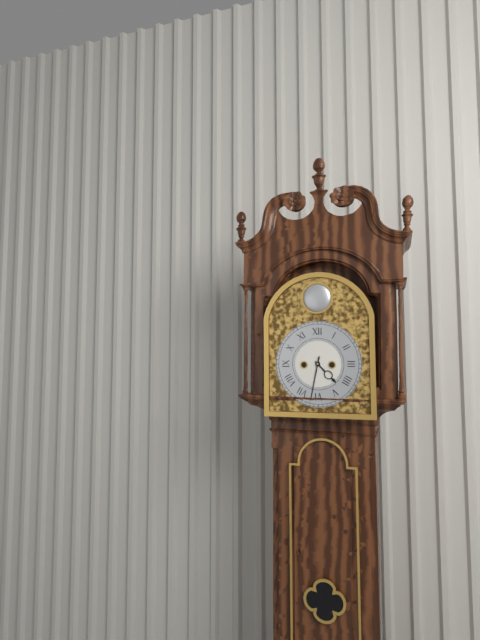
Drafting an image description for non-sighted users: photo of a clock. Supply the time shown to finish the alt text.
4:32
